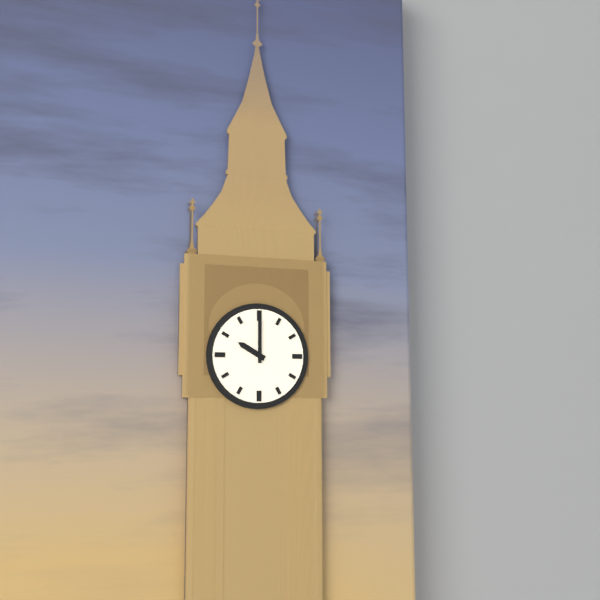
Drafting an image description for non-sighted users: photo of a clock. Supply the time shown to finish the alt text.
10:00
